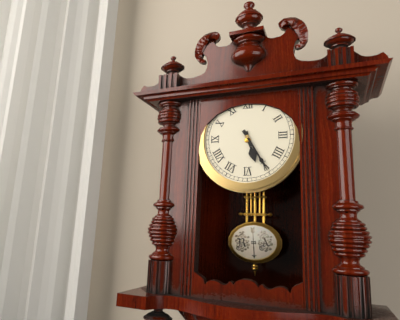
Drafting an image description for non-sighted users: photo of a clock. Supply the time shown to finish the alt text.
5:25
